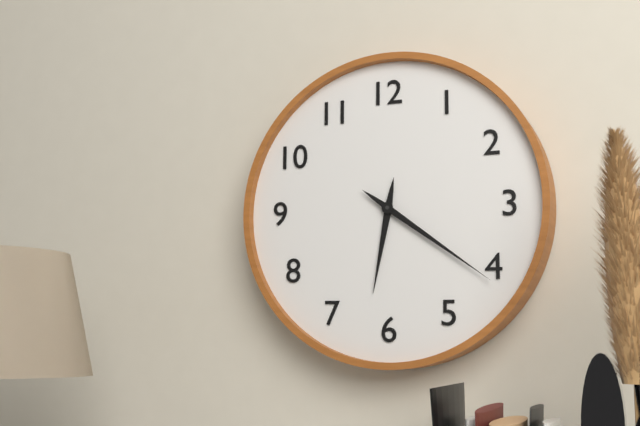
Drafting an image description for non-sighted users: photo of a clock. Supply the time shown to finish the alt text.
6:21
